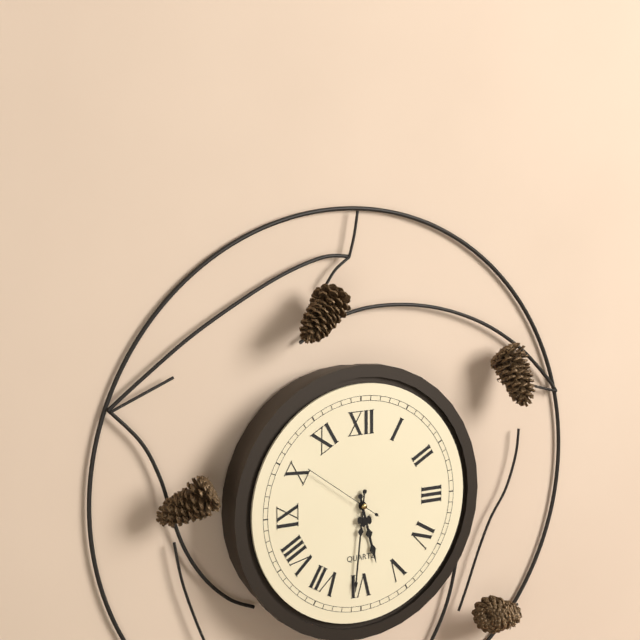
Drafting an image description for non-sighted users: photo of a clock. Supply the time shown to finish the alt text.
5:31:51
